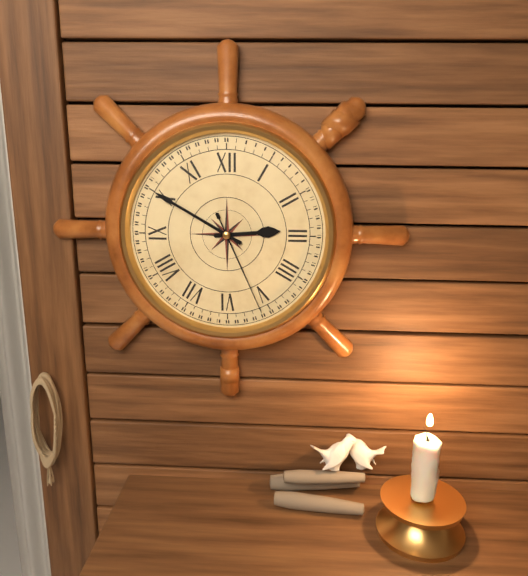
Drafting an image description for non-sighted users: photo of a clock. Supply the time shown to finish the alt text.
2:50:26
